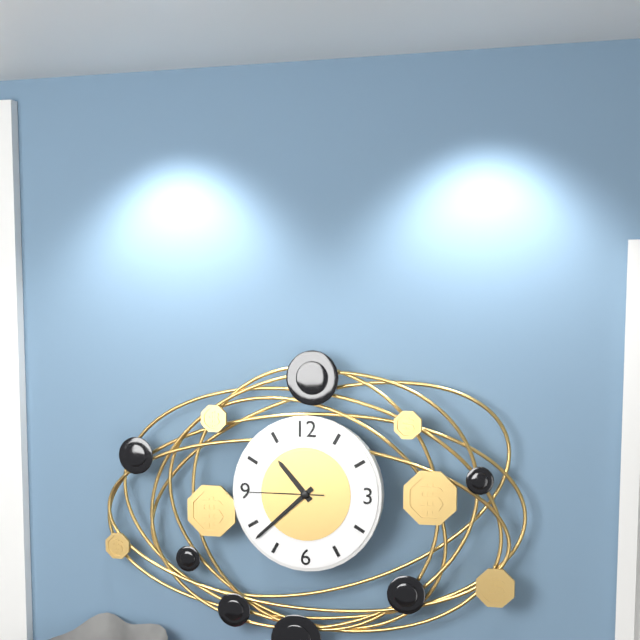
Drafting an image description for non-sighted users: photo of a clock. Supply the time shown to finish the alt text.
10:38:45
